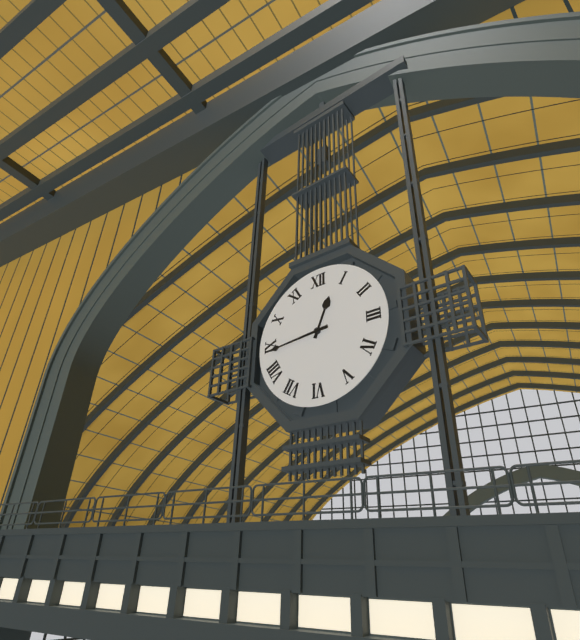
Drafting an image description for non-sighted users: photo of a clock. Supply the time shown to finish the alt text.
12:44
